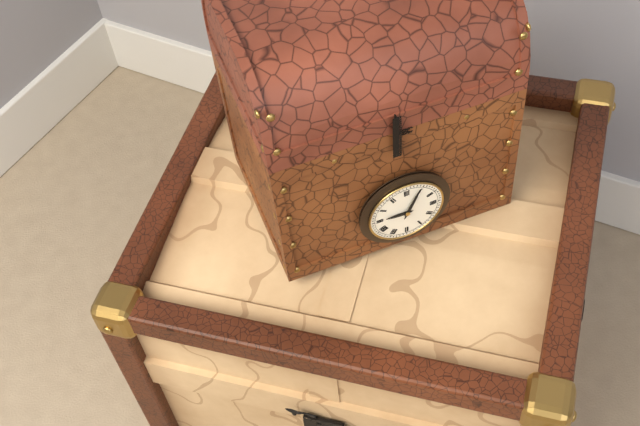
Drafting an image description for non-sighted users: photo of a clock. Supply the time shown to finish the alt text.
9:04
